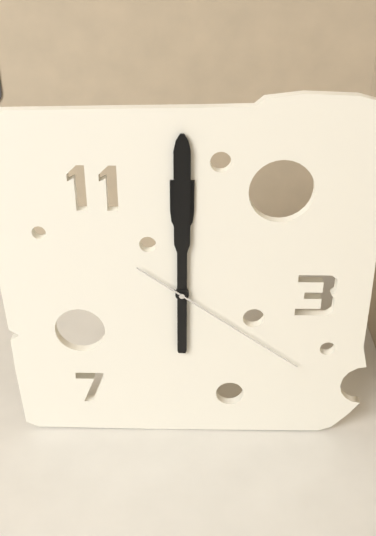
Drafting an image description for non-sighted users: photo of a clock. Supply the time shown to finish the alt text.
12:00:21
